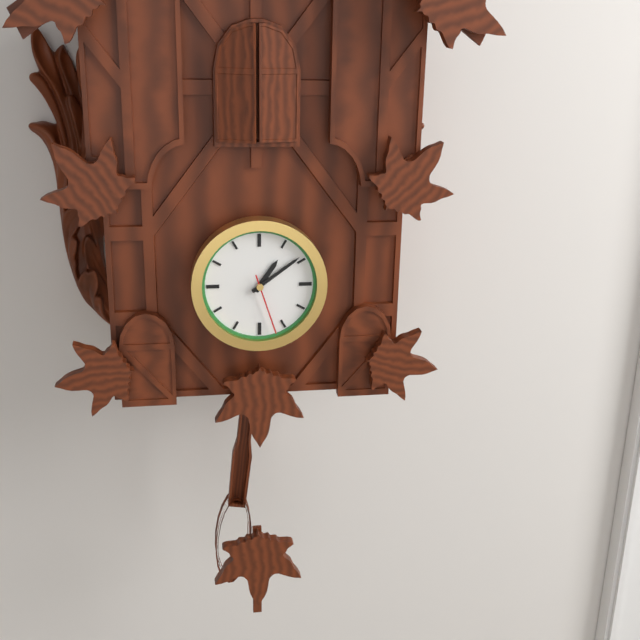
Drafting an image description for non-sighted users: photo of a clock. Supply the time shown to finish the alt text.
1:09:27
